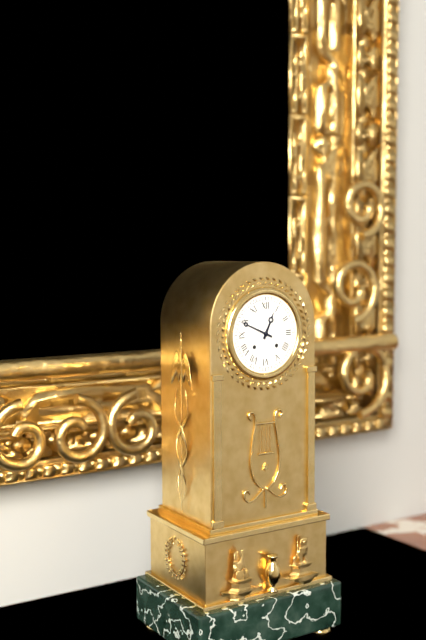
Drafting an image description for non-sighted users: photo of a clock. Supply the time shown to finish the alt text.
12:49
